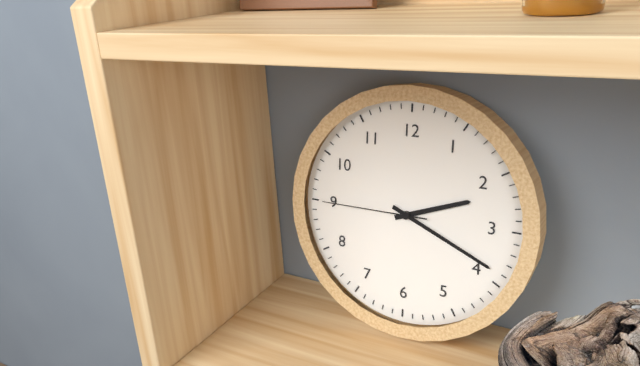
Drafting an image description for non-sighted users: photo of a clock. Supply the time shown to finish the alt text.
2:19:45
